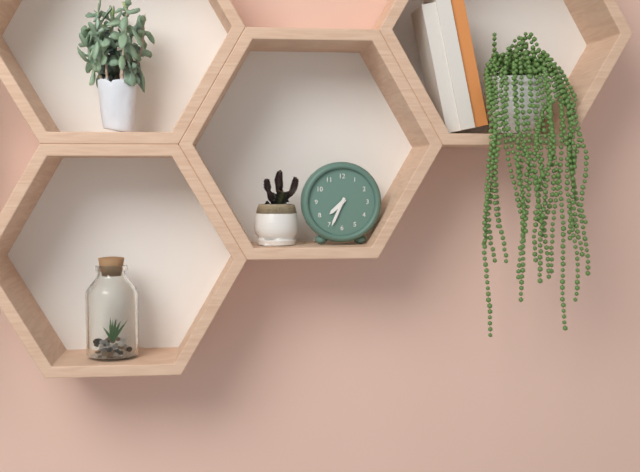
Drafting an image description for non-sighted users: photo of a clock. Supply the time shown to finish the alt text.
7:34
